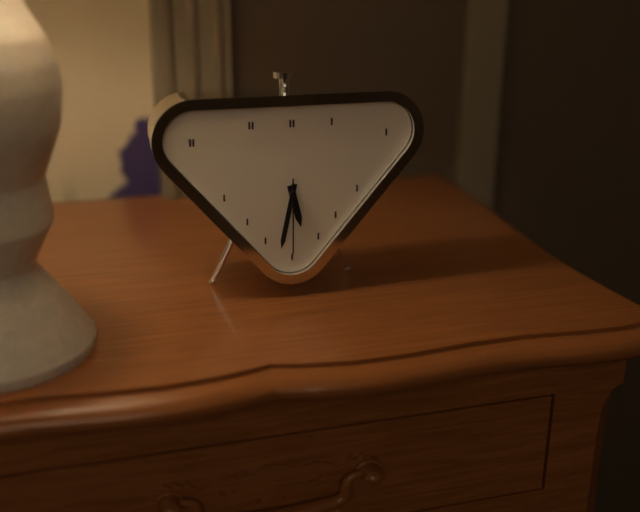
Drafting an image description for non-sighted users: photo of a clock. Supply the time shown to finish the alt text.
5:32:30
